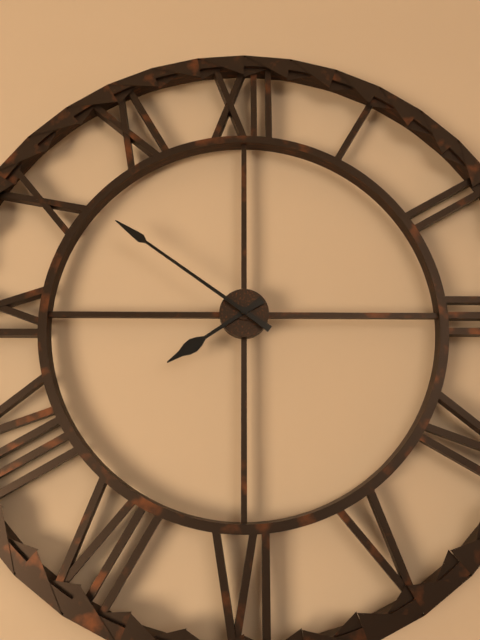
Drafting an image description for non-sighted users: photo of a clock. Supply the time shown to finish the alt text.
7:51
